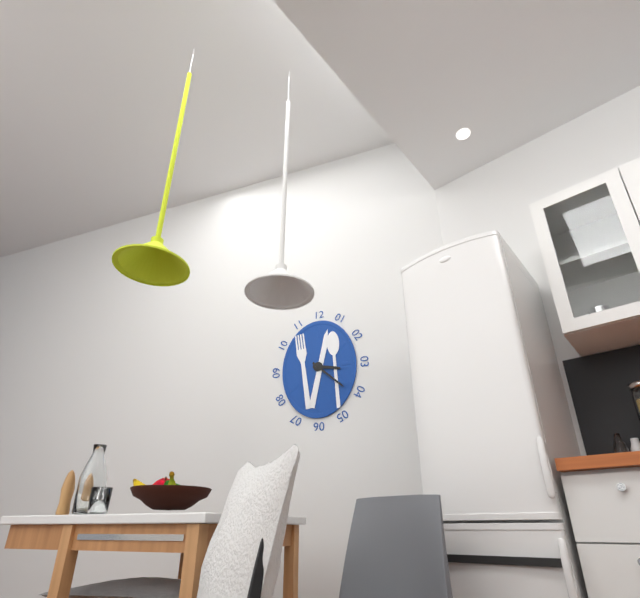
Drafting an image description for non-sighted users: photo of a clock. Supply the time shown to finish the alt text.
3:22
